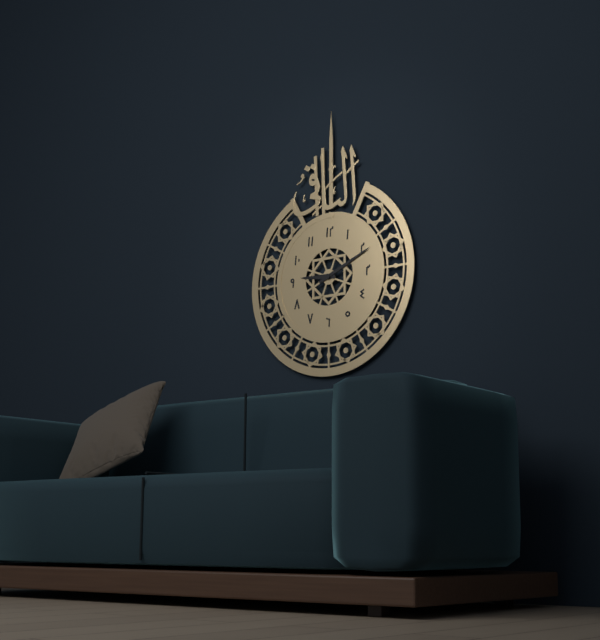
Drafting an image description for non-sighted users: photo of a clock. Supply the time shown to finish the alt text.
9:11
